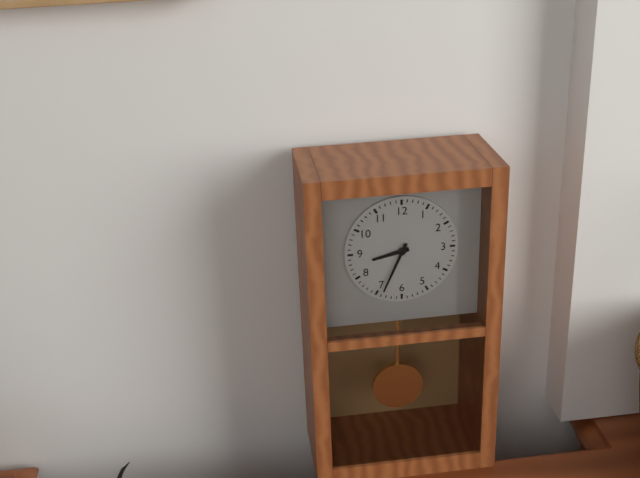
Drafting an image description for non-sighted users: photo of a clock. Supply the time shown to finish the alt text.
8:34
